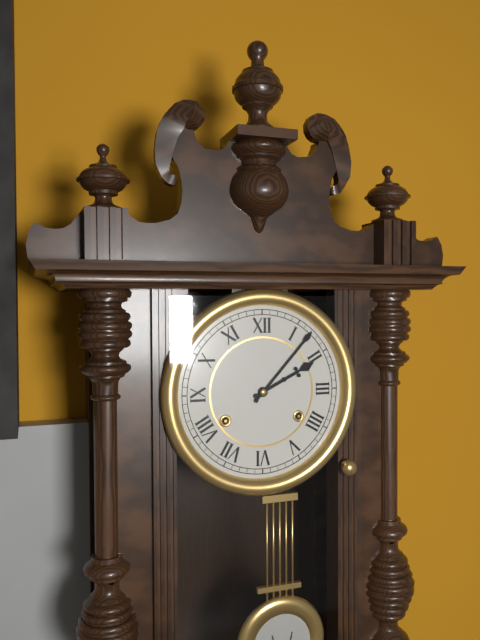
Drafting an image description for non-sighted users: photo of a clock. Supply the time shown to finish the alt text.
2:07
